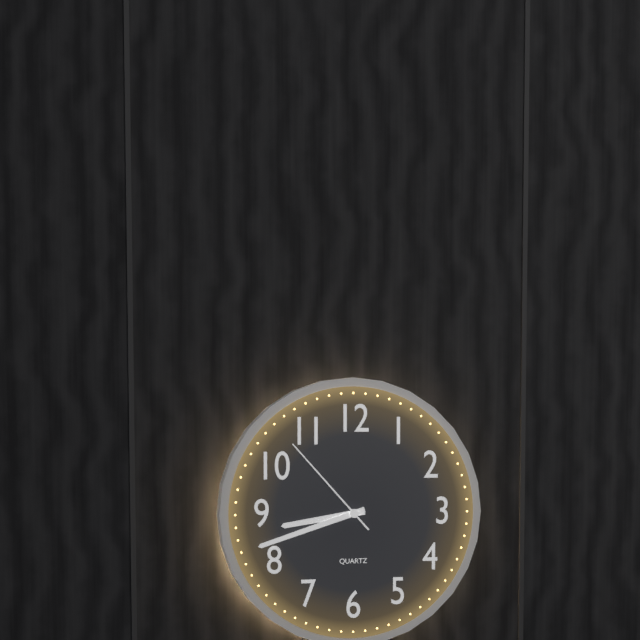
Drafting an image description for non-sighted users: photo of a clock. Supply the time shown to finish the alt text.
8:42:53
